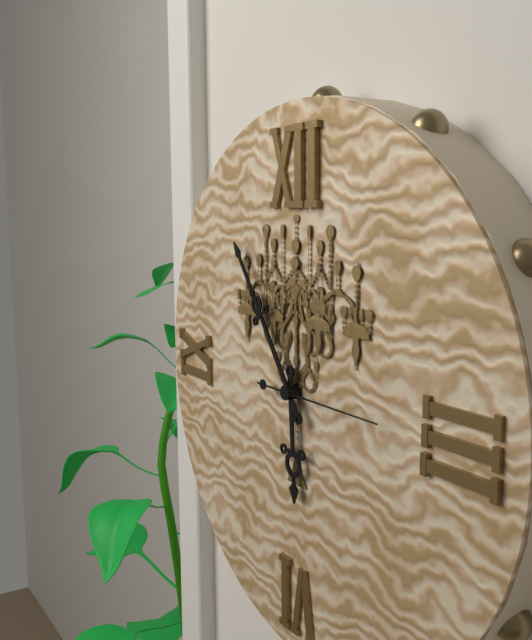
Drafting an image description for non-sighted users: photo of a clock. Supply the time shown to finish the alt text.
5:54:15
